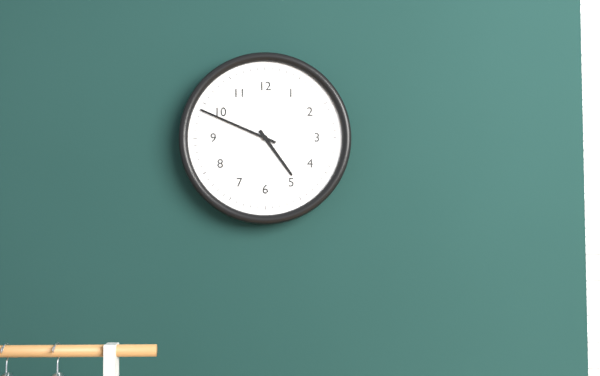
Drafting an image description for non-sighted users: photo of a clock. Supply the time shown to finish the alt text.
4:49
